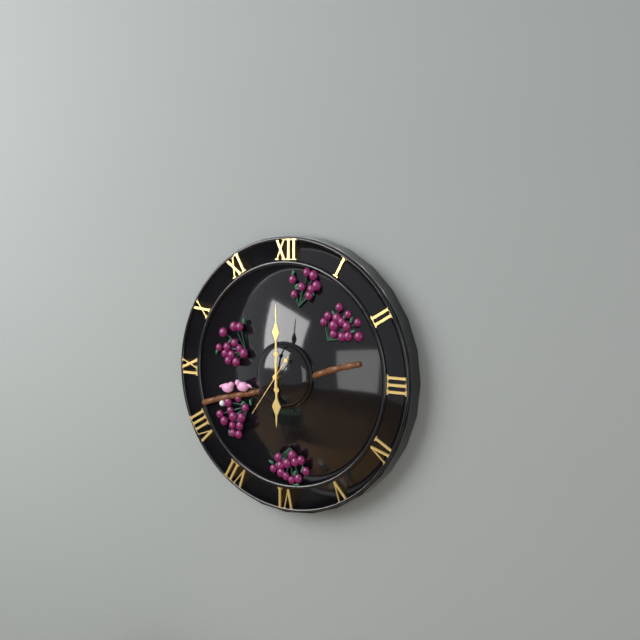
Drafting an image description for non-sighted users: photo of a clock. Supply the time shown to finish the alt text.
6:00:36
